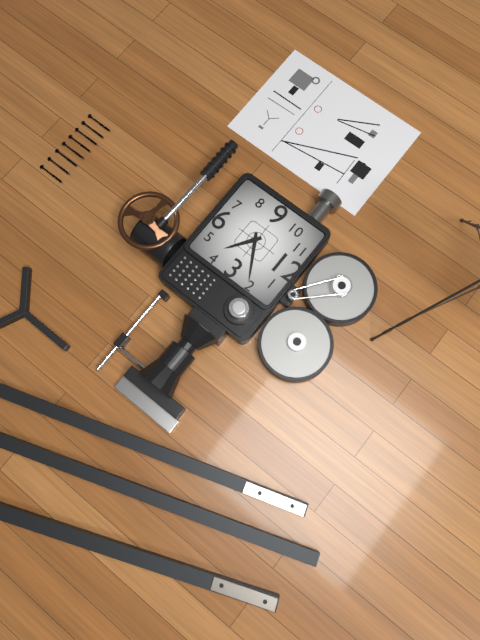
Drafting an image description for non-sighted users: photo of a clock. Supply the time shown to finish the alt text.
4:10
